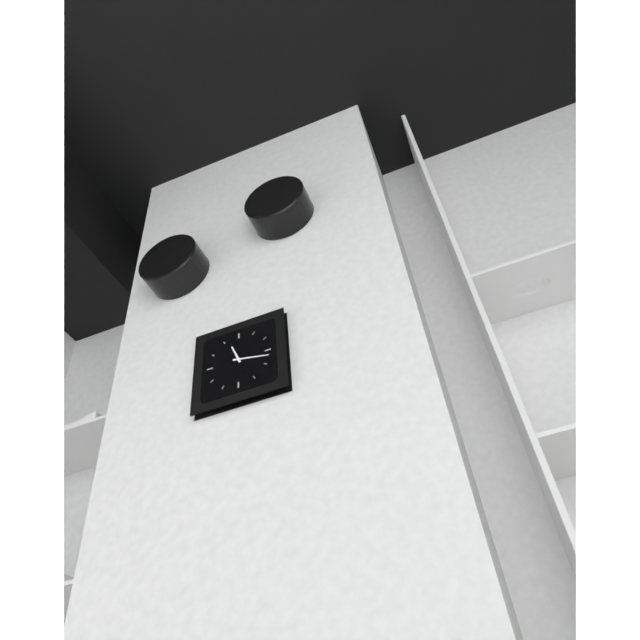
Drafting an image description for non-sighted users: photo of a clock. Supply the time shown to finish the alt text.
11:17
